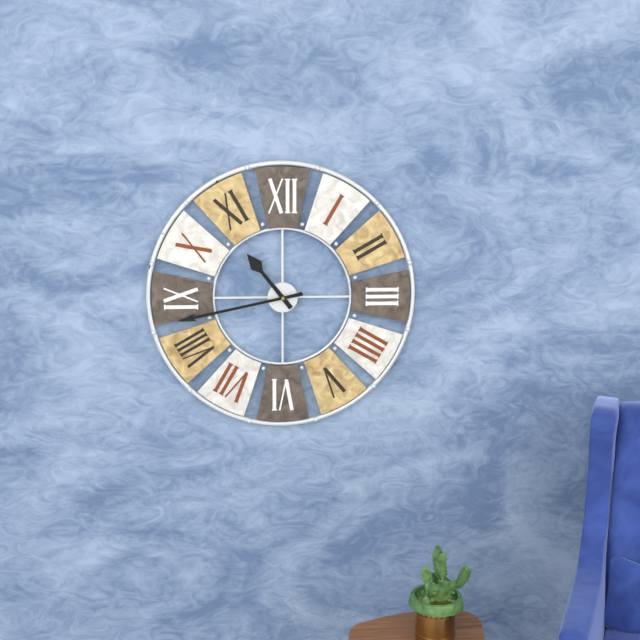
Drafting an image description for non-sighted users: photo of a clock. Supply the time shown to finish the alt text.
10:43
